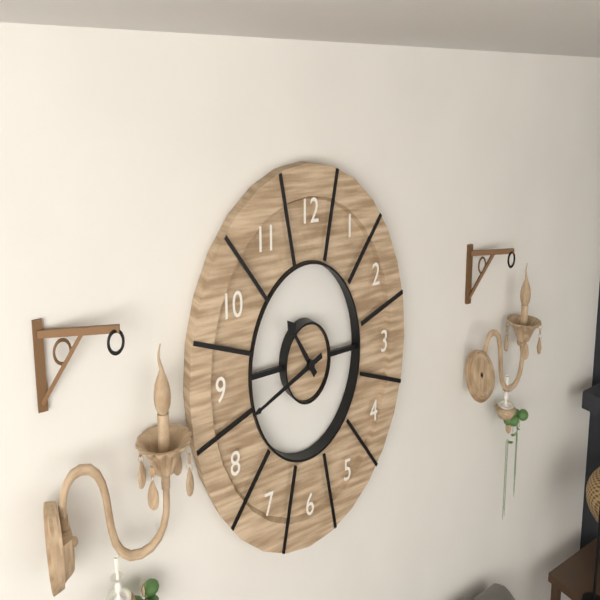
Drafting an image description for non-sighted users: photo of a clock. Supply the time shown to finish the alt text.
10:42
